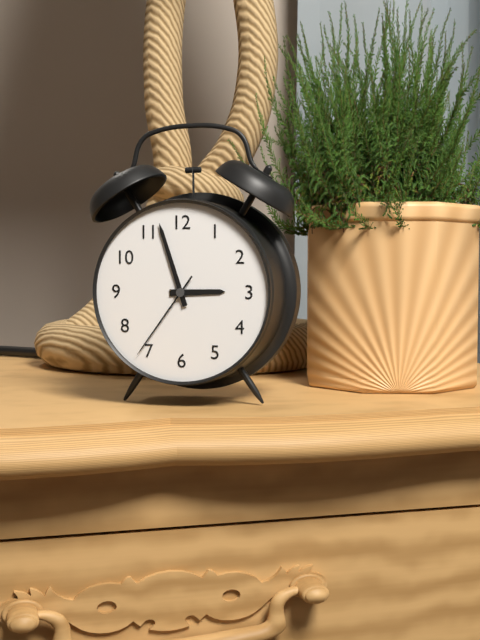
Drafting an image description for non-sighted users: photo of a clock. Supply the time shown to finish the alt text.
2:57:36
